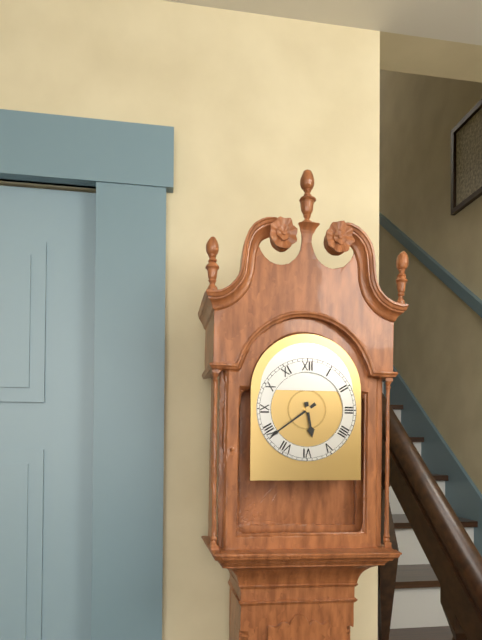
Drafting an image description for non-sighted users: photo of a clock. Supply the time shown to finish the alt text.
5:39
